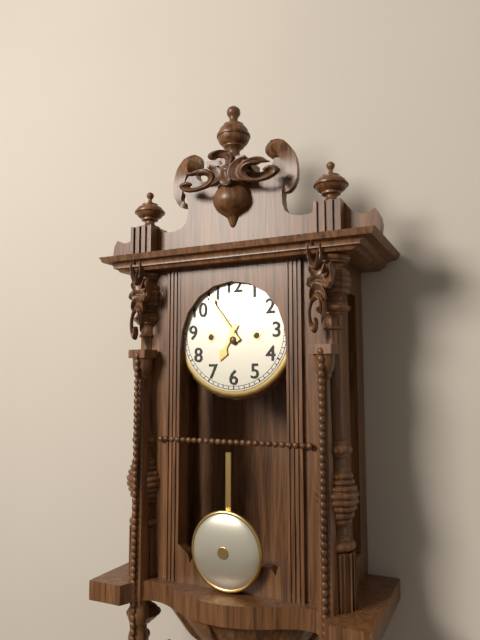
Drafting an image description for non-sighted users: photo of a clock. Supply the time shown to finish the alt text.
6:54
